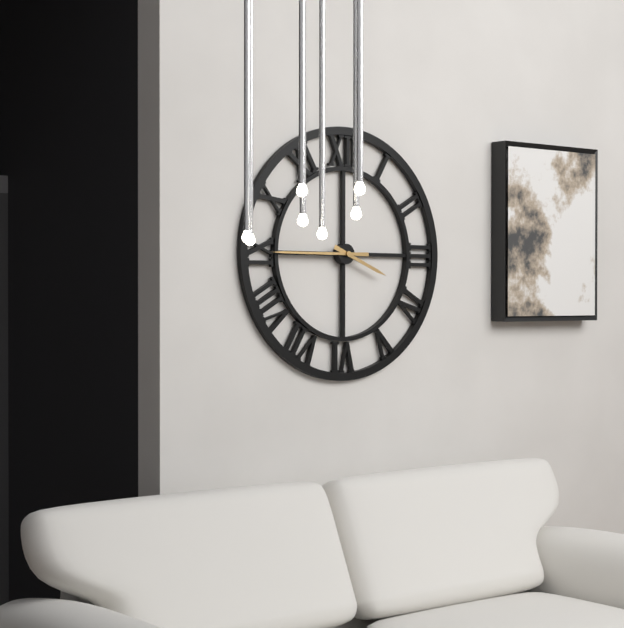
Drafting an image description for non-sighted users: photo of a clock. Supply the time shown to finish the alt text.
3:45
